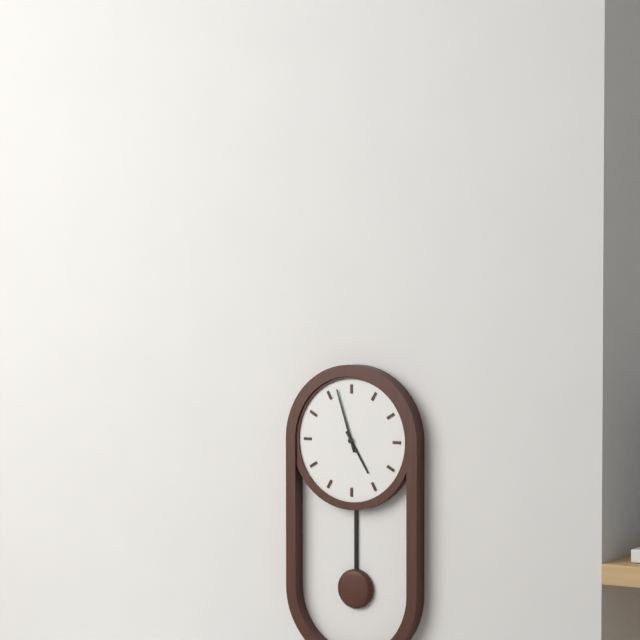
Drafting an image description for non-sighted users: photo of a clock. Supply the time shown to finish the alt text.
4:57
